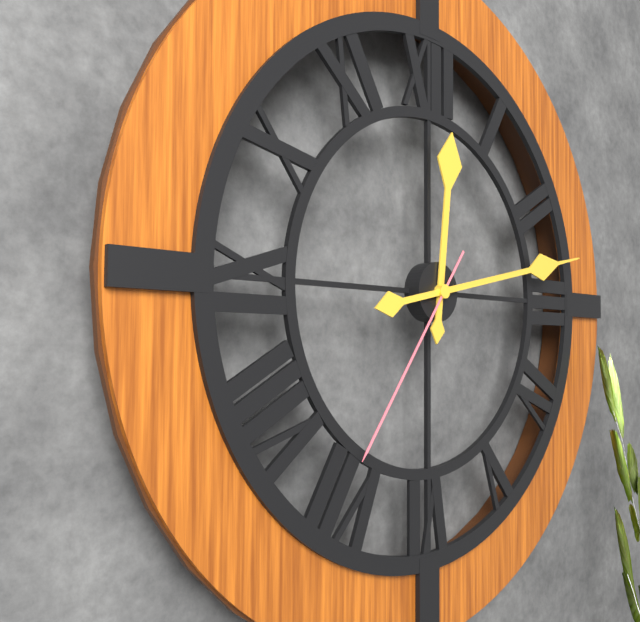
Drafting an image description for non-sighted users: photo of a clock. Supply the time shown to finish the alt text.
12:13:36
